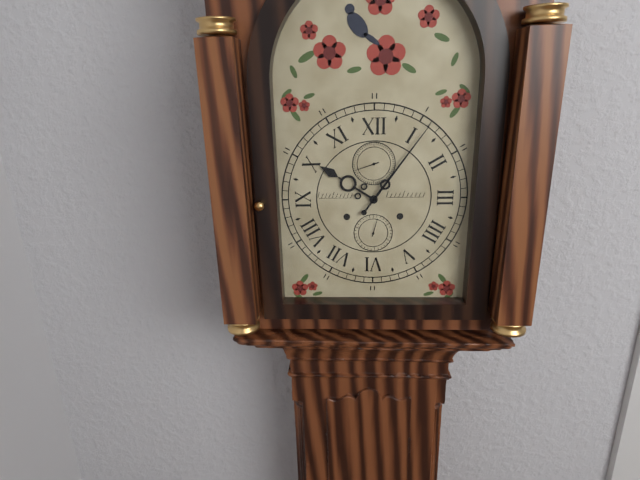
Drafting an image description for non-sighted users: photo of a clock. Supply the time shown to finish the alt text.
10:06
